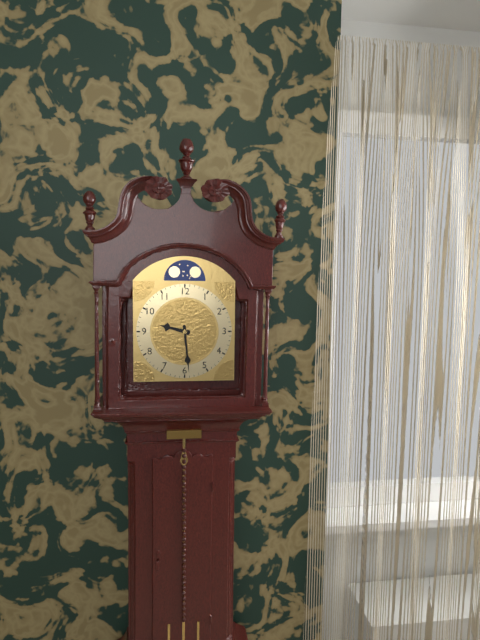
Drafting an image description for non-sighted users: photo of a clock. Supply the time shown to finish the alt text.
9:29
